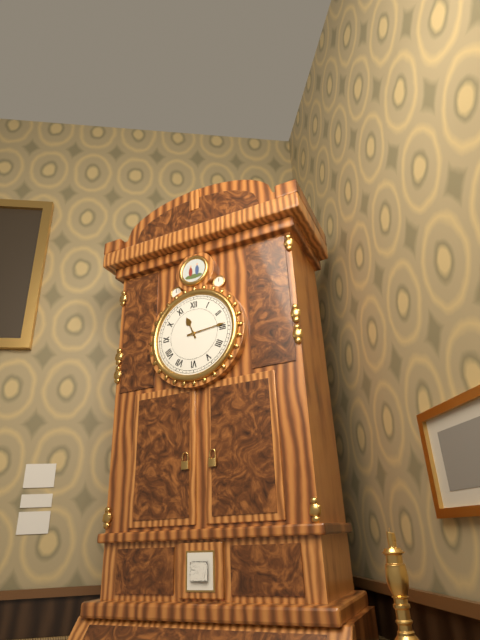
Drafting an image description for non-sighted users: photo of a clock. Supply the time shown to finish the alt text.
11:14
